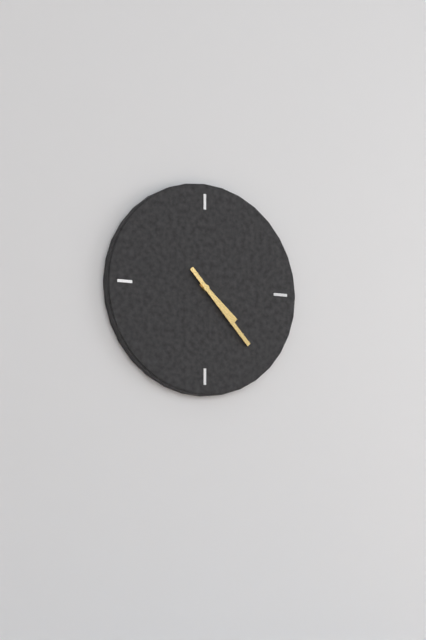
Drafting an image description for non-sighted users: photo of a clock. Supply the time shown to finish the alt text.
4:23
